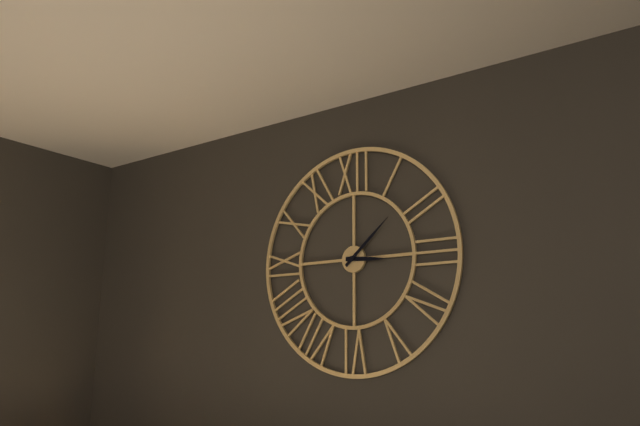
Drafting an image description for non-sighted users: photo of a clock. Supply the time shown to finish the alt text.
3:08
